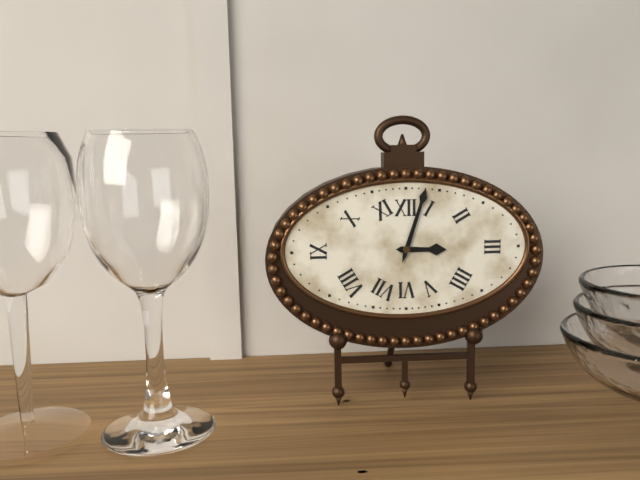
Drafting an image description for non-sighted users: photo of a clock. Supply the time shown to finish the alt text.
3:03
